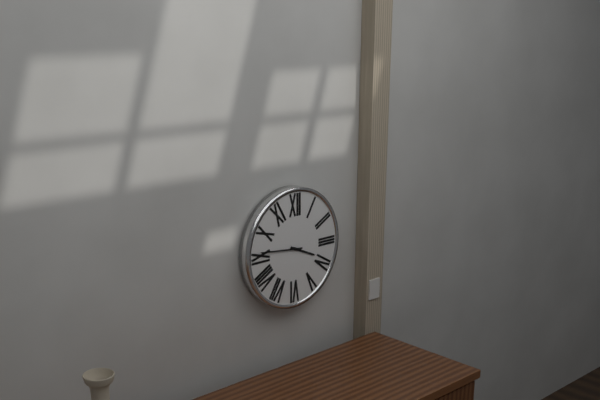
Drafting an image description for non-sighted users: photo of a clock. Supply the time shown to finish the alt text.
3:46
